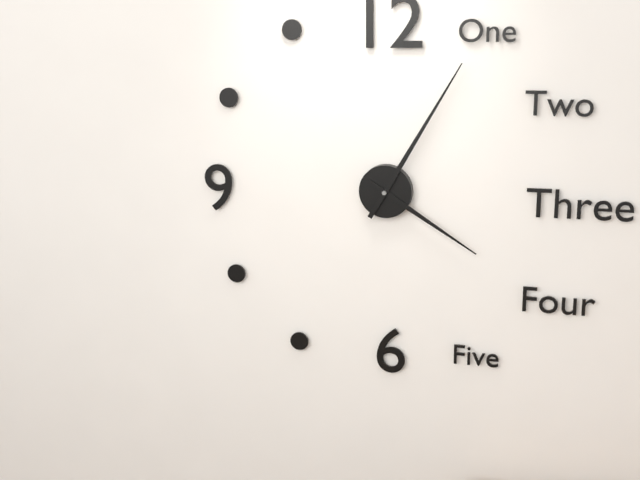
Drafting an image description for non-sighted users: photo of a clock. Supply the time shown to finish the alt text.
4:05
